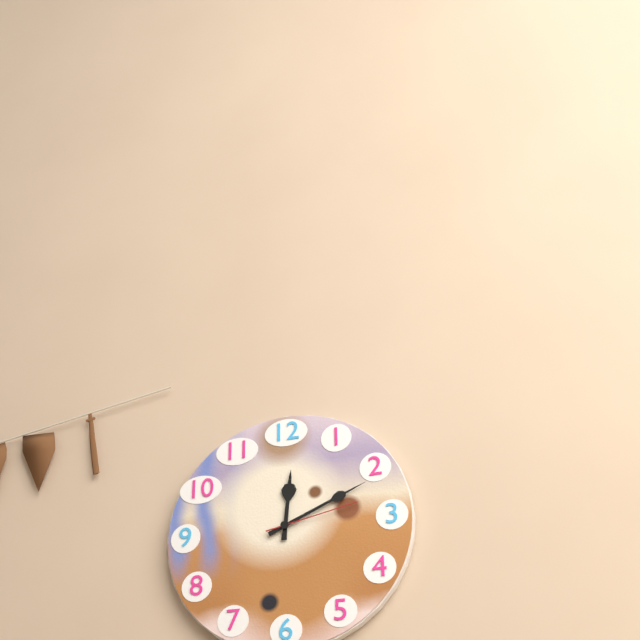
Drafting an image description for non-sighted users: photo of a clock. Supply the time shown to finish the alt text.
12:11:13
